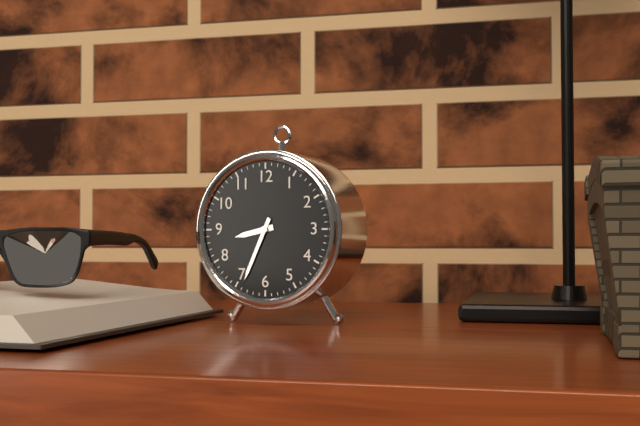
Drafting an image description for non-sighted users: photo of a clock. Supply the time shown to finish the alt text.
8:34
